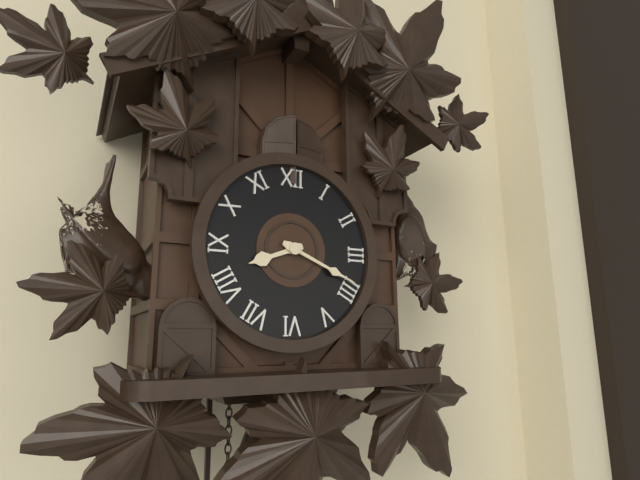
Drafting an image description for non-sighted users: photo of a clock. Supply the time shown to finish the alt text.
8:19
